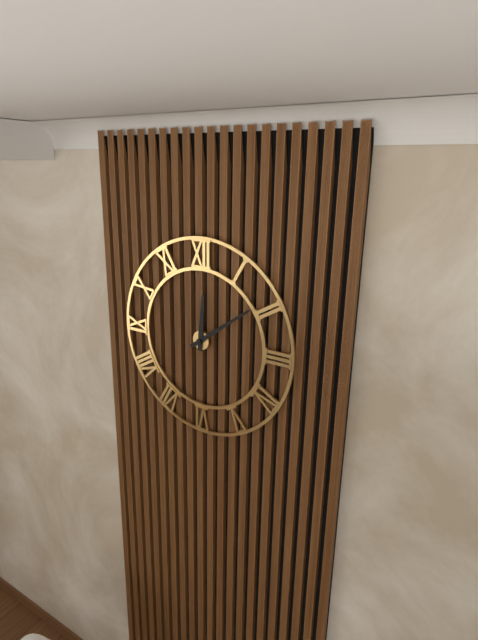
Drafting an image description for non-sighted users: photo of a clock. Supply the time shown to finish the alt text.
12:09
